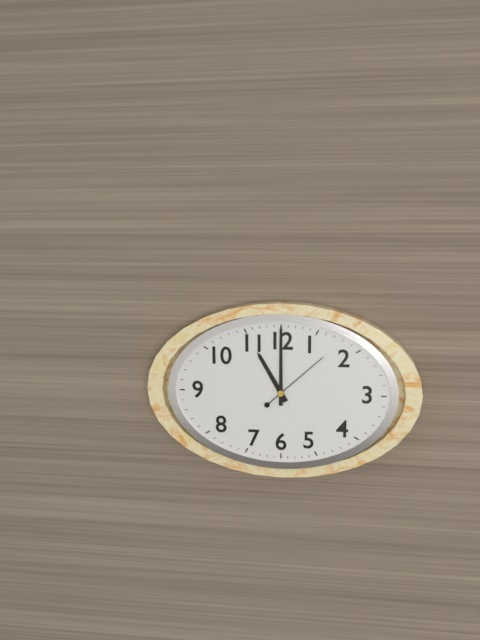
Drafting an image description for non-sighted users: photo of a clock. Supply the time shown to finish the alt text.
11:00:08
